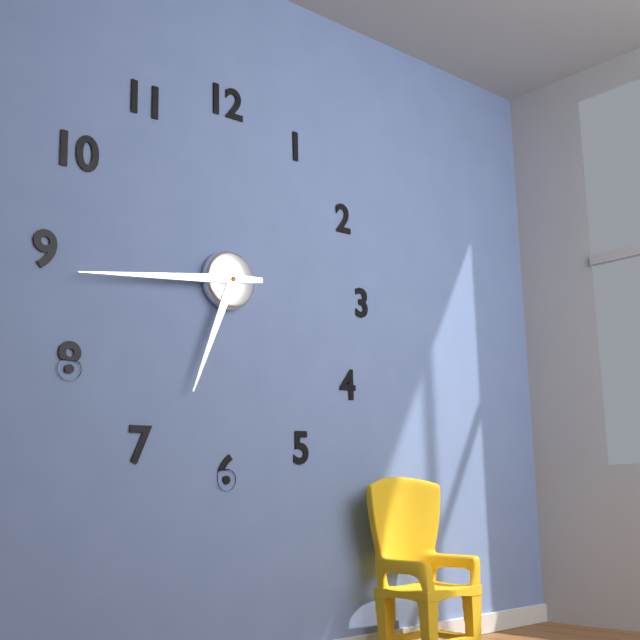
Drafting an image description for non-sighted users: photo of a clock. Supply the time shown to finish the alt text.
6:44
